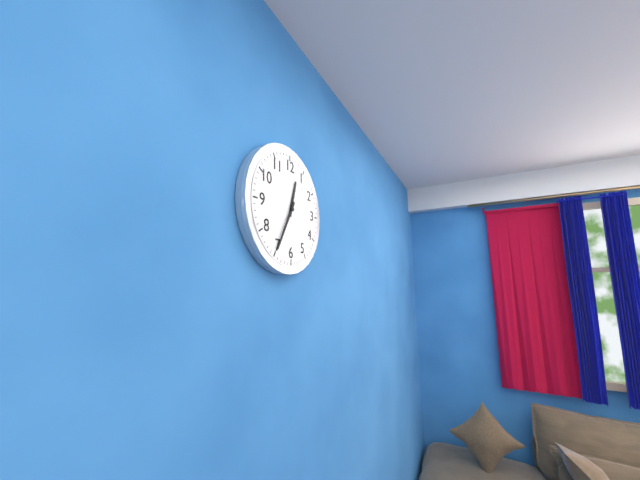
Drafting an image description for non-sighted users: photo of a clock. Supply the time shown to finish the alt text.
12:35
